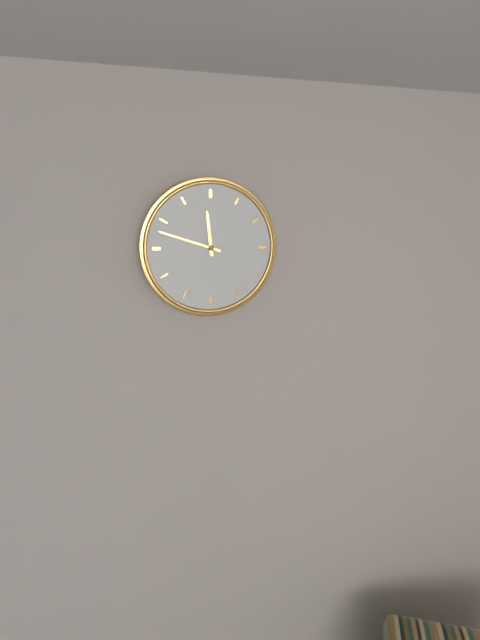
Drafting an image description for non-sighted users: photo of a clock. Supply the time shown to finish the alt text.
11:48
